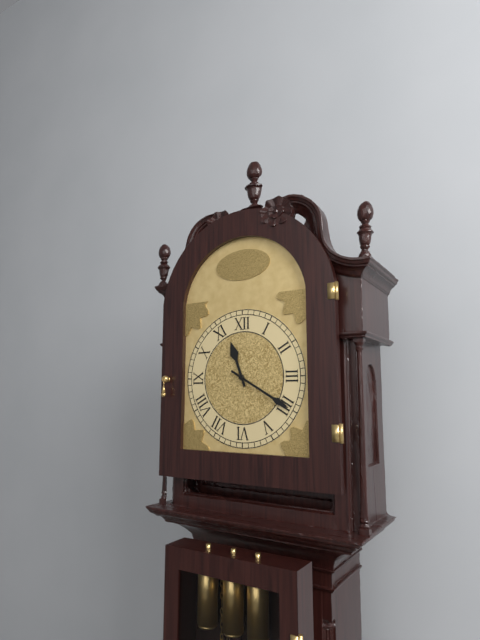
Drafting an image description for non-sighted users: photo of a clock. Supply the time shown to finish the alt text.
11:20
